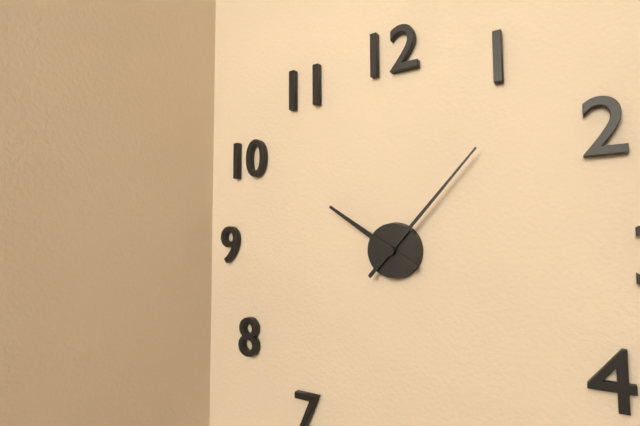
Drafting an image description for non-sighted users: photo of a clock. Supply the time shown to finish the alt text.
10:07
